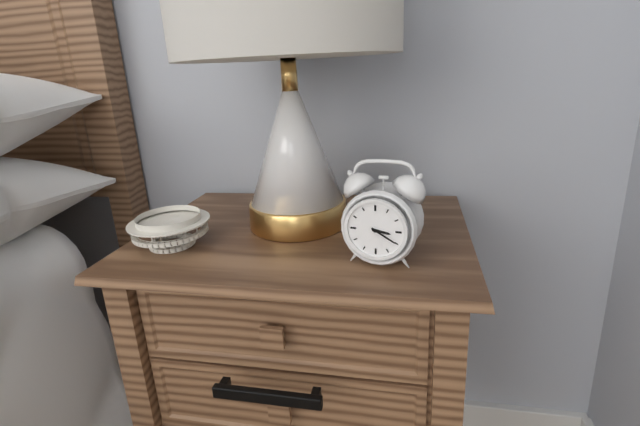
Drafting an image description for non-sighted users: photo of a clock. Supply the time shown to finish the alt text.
3:20
